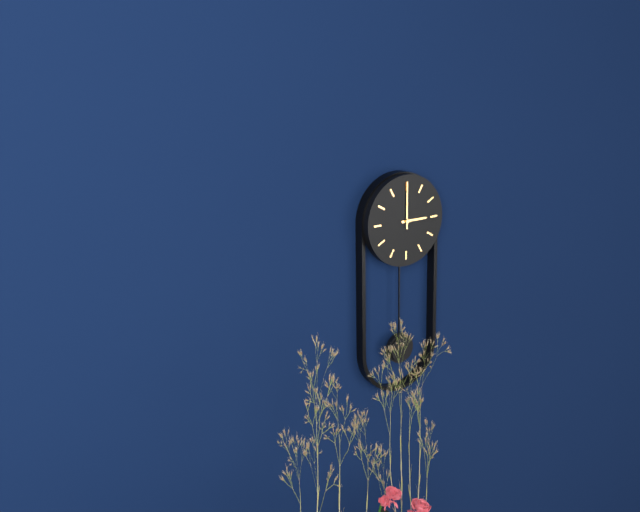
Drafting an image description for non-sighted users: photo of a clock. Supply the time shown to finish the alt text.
3:00
